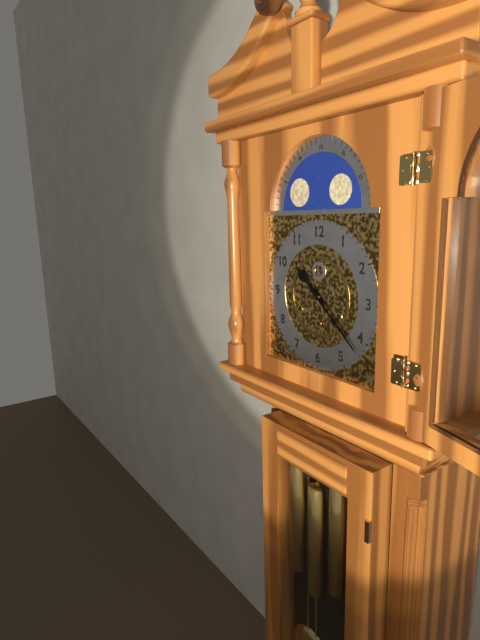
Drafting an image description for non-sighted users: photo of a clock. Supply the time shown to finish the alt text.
10:22
